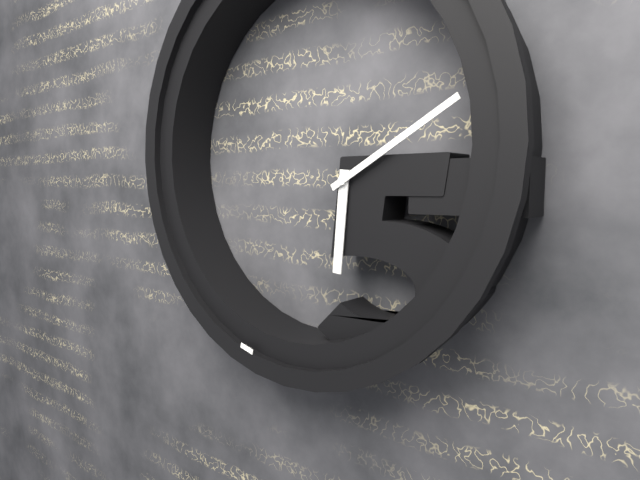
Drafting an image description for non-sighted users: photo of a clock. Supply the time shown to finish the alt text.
6:10
